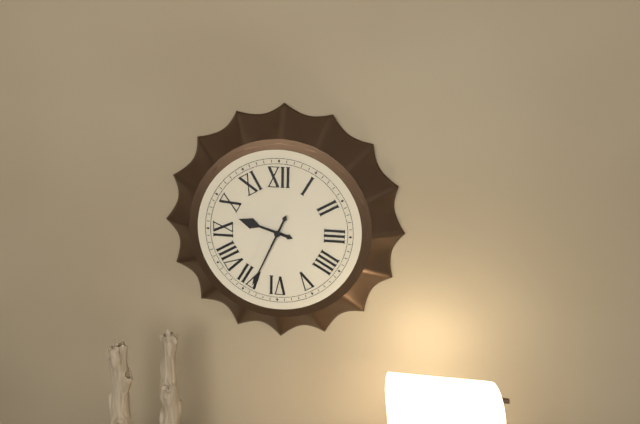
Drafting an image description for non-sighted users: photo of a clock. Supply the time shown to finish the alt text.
9:34
